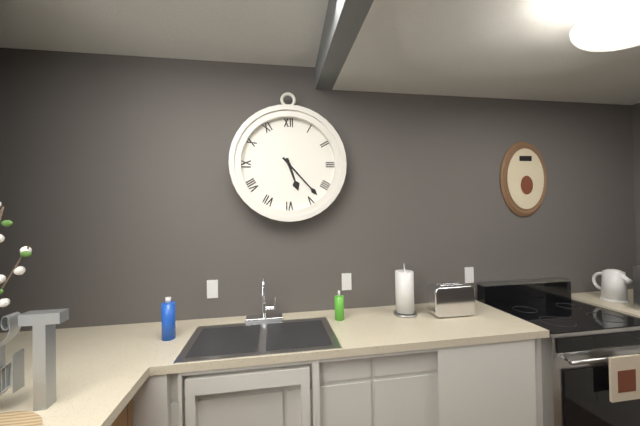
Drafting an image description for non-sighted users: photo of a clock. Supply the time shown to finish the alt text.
5:23
